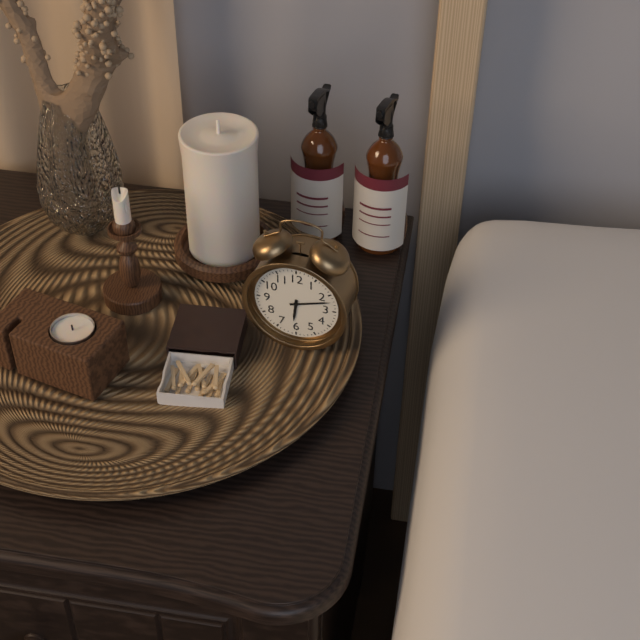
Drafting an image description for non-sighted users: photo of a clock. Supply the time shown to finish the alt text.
6:12
